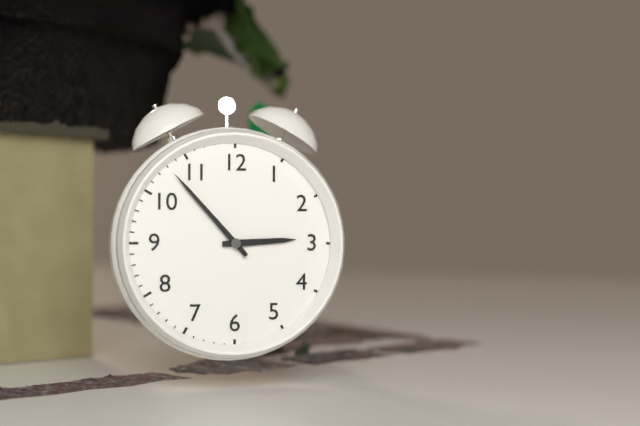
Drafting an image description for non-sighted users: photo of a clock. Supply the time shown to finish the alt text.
2:53
